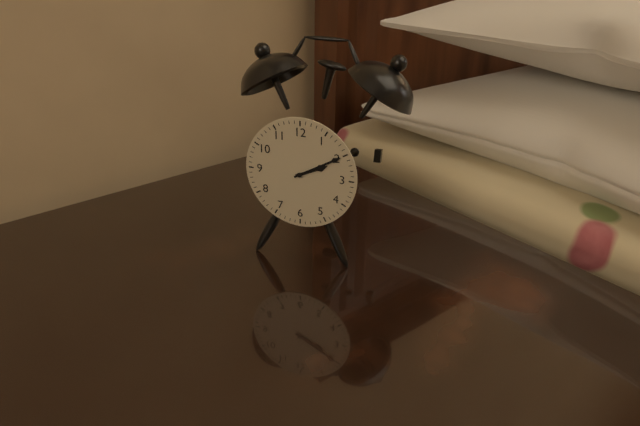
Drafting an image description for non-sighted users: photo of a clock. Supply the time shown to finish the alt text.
2:10
